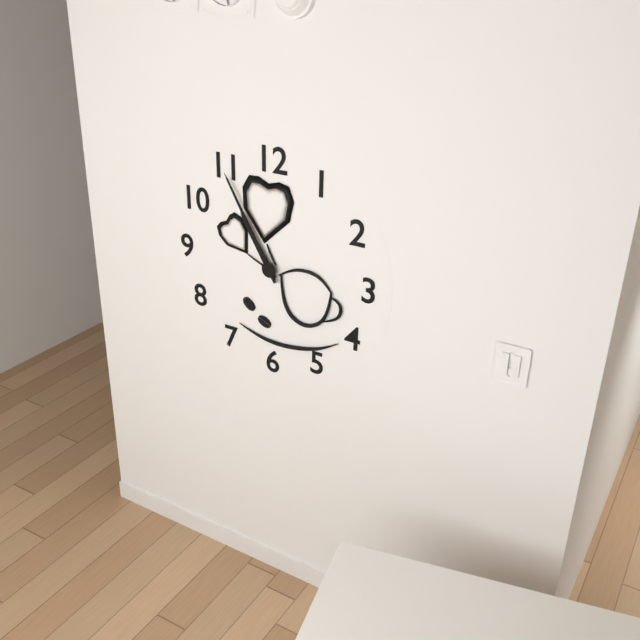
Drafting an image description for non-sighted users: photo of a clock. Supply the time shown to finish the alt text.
10:55
